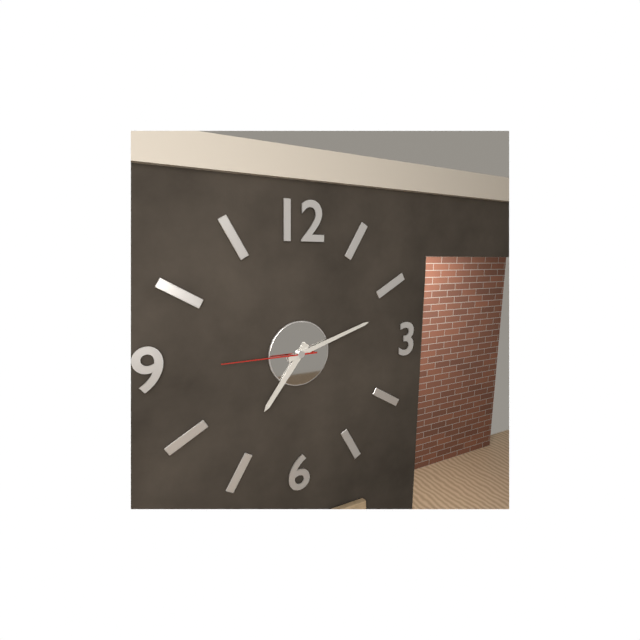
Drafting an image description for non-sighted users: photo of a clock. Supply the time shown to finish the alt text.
7:12:45
